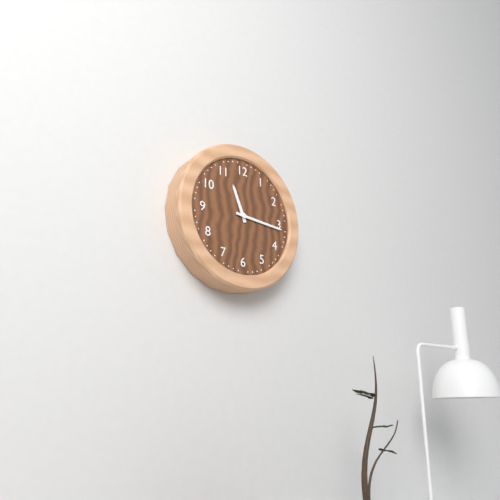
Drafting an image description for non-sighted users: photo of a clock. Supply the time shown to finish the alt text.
11:16
